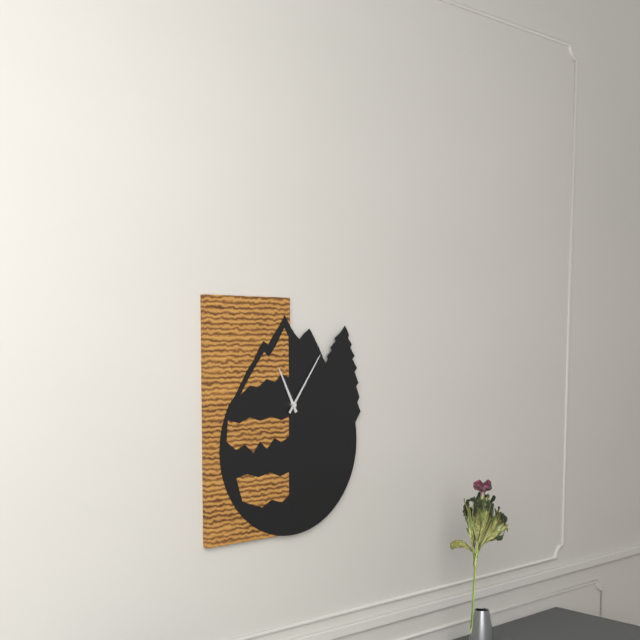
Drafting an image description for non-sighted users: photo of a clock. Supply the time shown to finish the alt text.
11:06
